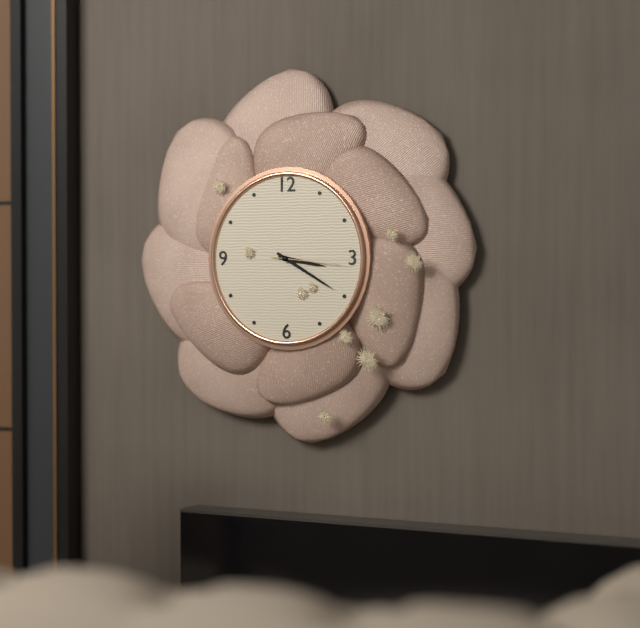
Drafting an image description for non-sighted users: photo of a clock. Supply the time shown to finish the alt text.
3:20:16
